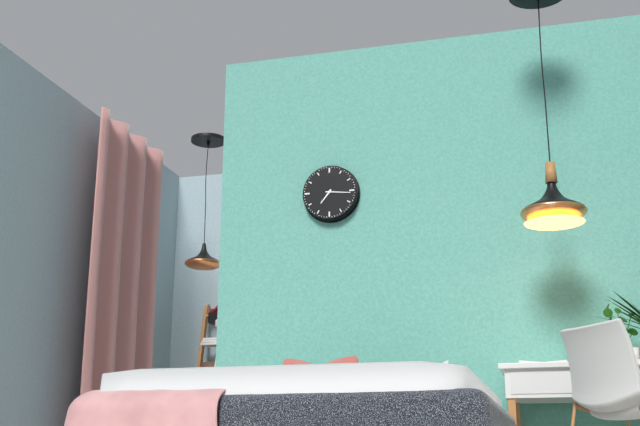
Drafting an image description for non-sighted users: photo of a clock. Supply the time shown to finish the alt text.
7:16
